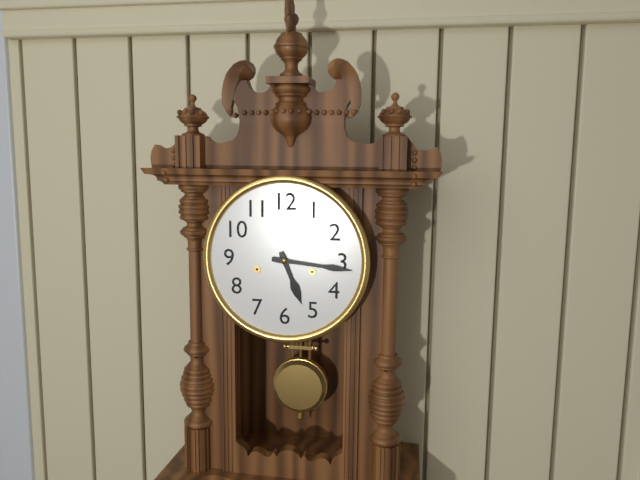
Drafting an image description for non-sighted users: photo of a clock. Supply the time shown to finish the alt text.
5:16
